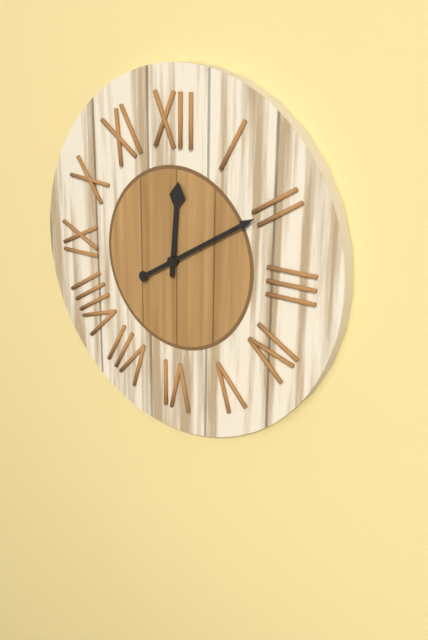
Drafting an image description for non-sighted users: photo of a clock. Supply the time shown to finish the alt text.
12:10
